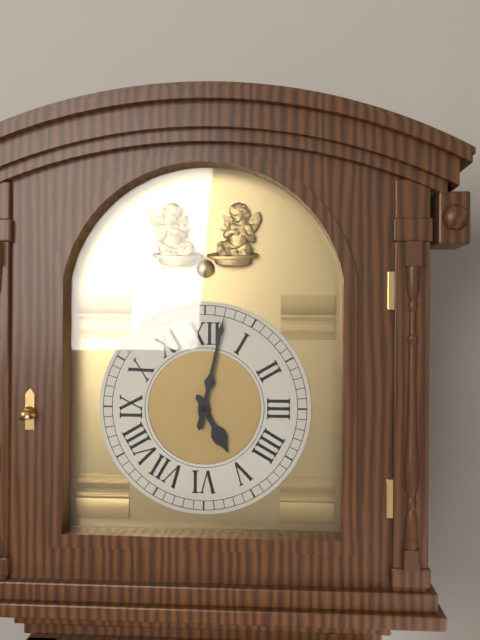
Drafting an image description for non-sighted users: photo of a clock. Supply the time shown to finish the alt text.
5:02
